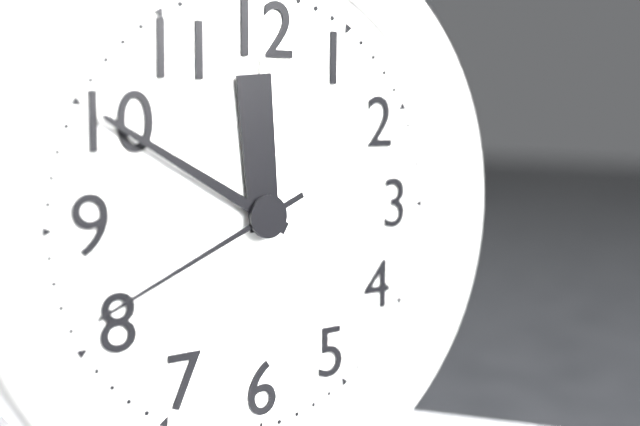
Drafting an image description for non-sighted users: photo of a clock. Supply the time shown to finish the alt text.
11:50:41
